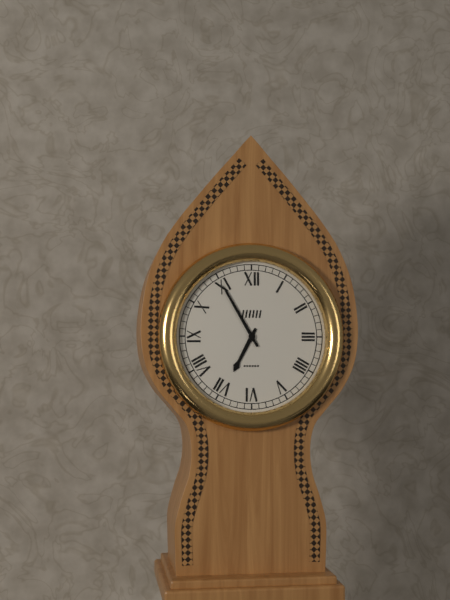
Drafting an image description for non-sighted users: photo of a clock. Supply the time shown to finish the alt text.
6:55
